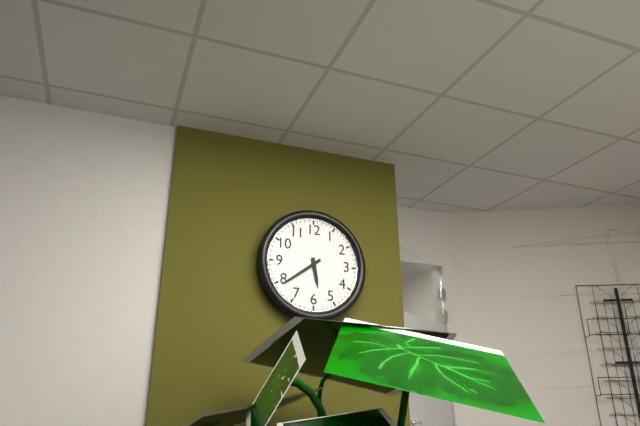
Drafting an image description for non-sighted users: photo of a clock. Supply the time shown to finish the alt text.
5:39
